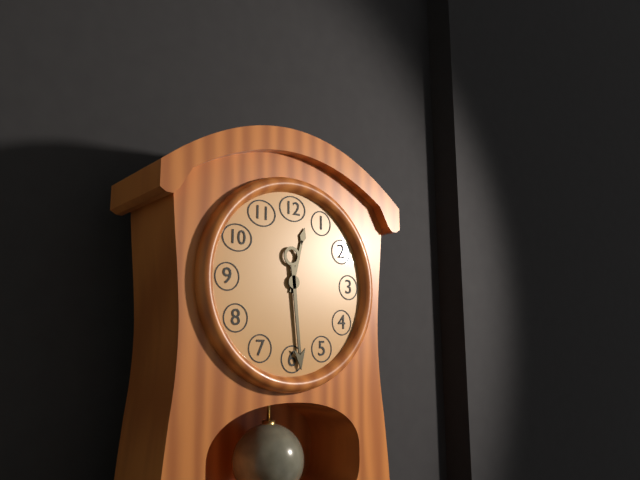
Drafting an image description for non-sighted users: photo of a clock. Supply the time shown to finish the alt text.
12:29
